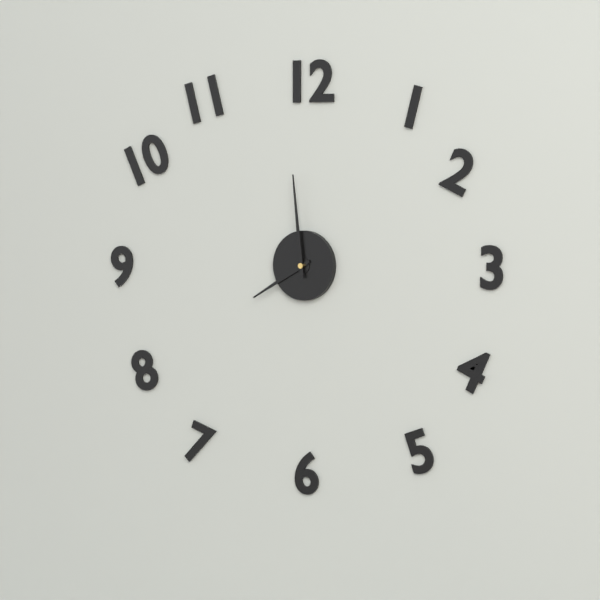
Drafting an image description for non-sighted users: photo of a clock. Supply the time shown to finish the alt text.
7:59
